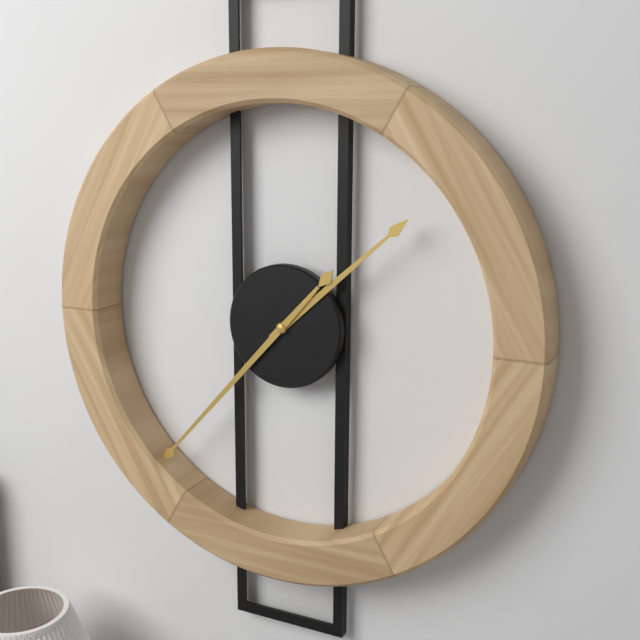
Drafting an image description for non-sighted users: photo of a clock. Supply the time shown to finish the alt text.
1:37
